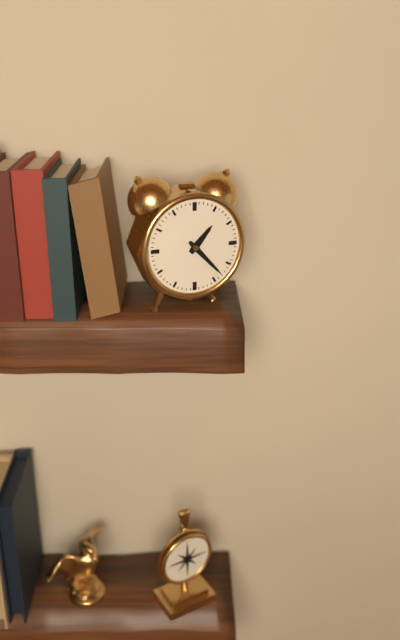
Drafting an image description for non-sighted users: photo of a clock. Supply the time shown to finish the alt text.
1:23
